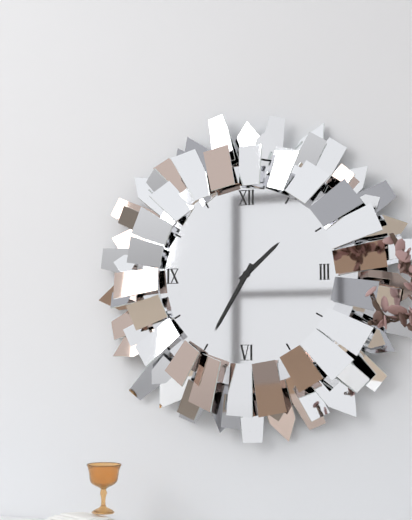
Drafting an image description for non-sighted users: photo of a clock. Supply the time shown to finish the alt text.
1:35
